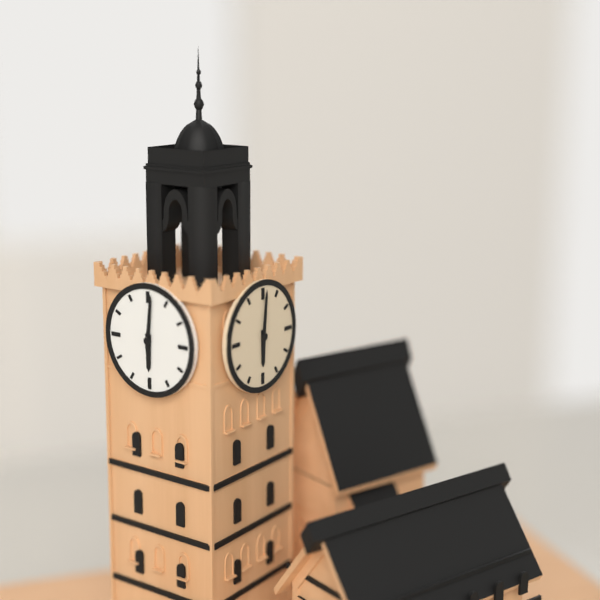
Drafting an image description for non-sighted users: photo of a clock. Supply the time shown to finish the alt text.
6:01
